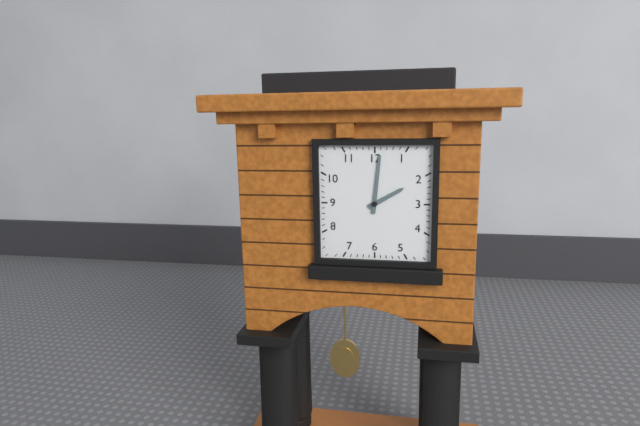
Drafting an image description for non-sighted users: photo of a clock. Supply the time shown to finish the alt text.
2:01
